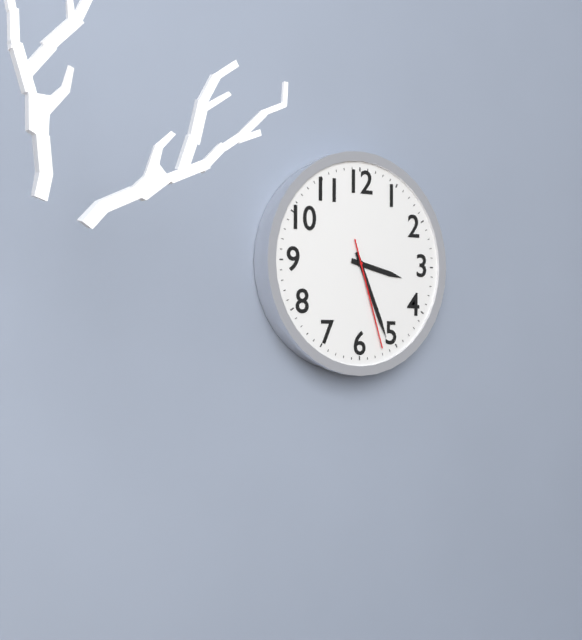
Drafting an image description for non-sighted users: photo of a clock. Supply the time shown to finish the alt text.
3:26:27
